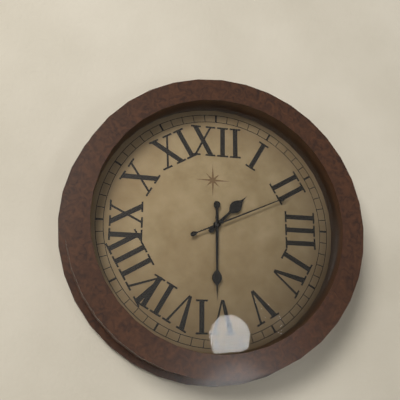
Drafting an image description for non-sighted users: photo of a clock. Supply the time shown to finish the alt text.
1:30:11
